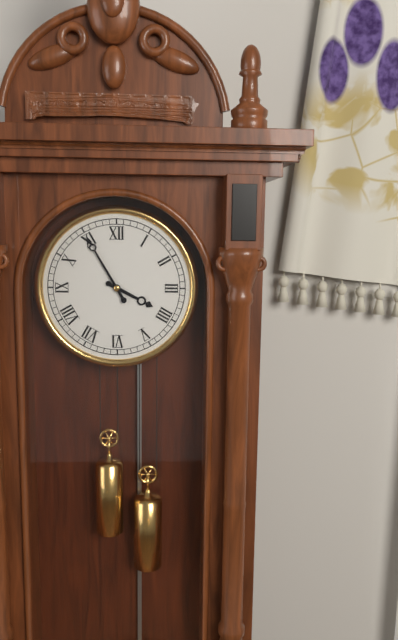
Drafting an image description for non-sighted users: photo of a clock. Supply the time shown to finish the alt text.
3:55
